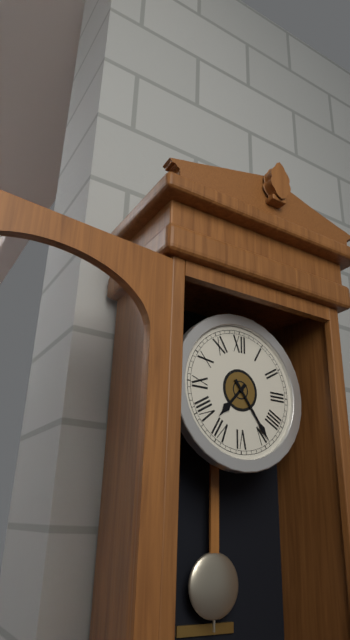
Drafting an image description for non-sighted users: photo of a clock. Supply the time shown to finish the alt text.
7:24
